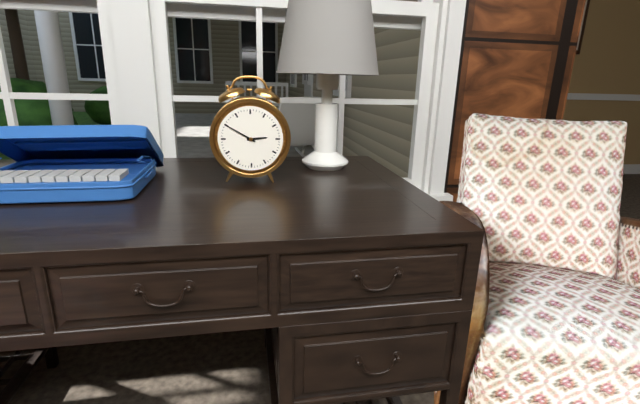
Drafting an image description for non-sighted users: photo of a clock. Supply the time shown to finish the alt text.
2:50
